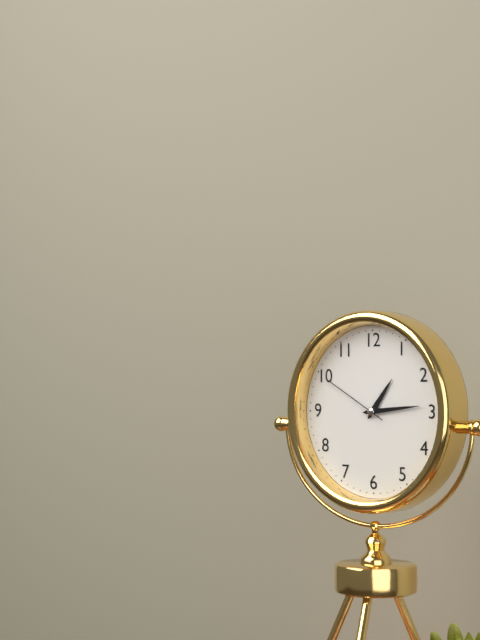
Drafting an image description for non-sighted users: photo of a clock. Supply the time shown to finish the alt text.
1:14:50
